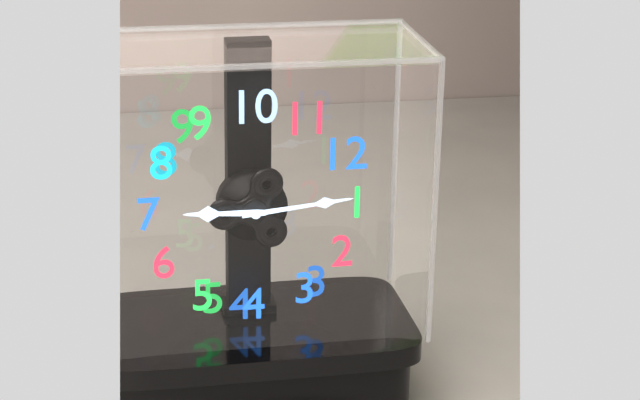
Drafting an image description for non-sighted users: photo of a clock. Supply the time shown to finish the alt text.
7:04
